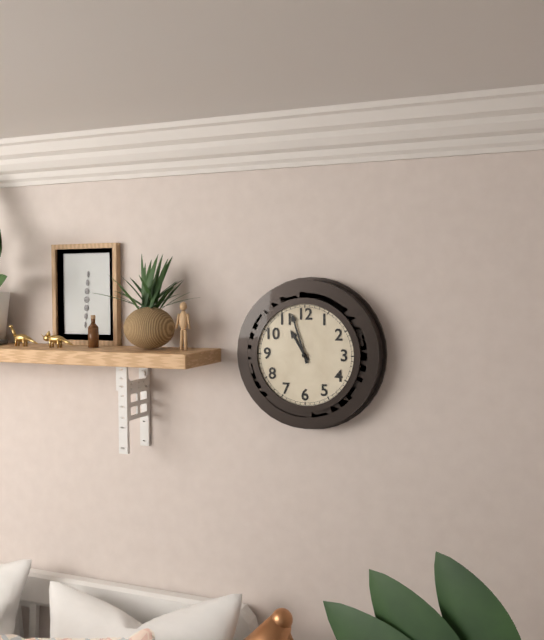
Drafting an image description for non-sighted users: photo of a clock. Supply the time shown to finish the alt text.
10:57
